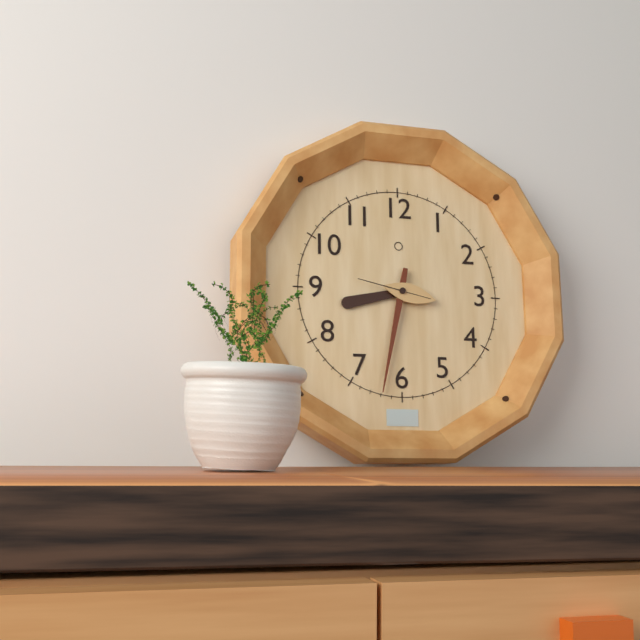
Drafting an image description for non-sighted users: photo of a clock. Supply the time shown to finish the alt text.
8:32
